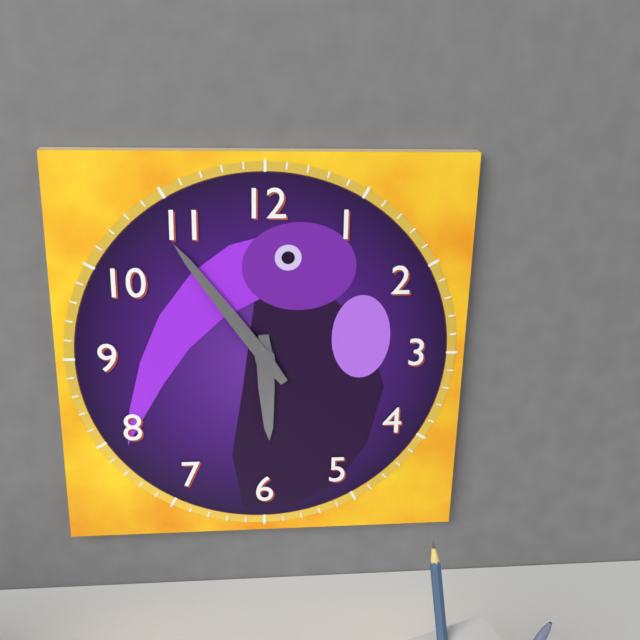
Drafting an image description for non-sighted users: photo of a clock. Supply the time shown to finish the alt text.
5:54
